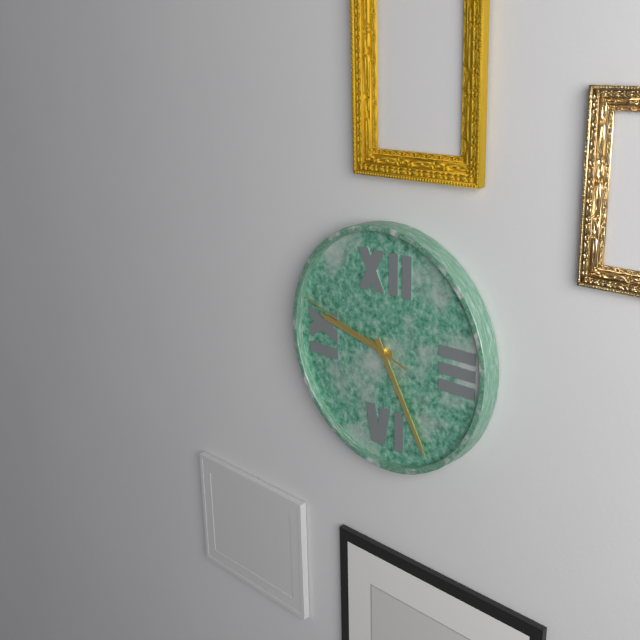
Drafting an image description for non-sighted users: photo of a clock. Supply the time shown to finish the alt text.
9:25:48
